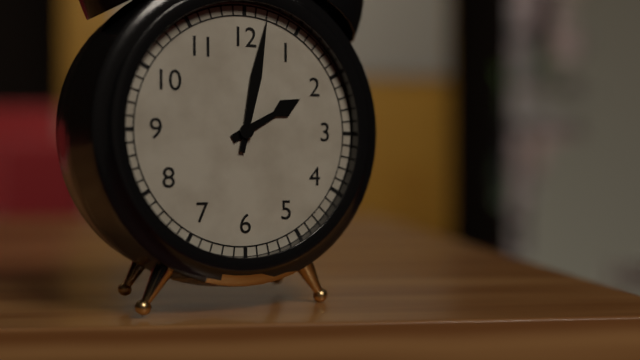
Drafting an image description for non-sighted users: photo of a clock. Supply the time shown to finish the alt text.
2:02
